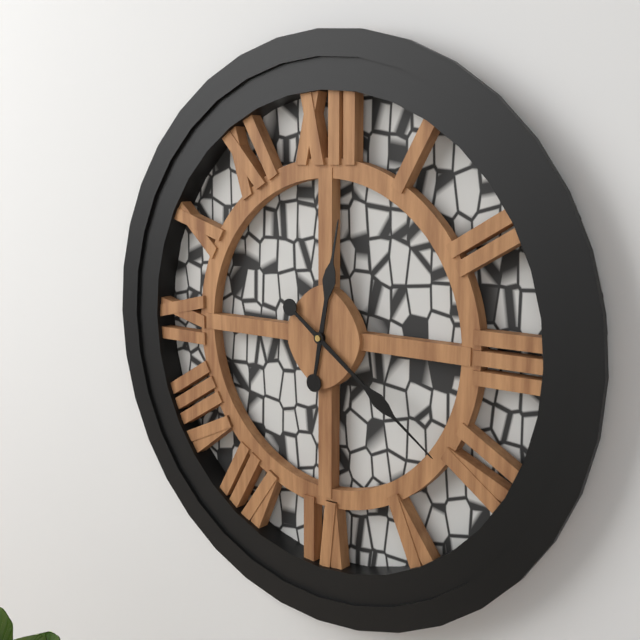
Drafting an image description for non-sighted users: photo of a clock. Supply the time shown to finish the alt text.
12:21
